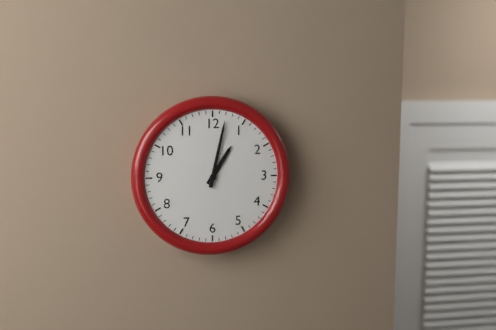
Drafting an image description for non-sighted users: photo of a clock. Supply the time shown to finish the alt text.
1:02
